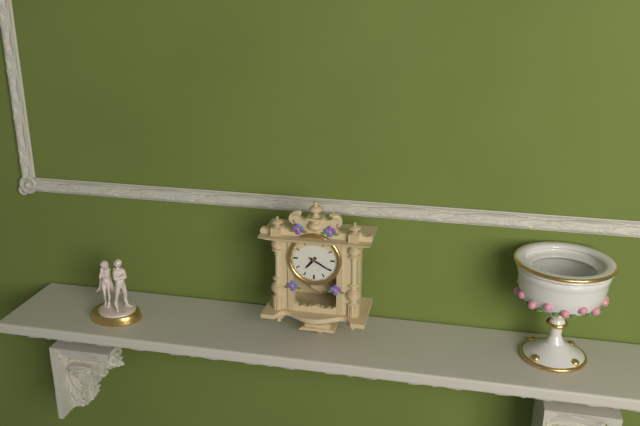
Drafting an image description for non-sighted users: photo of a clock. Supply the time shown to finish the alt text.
7:20
